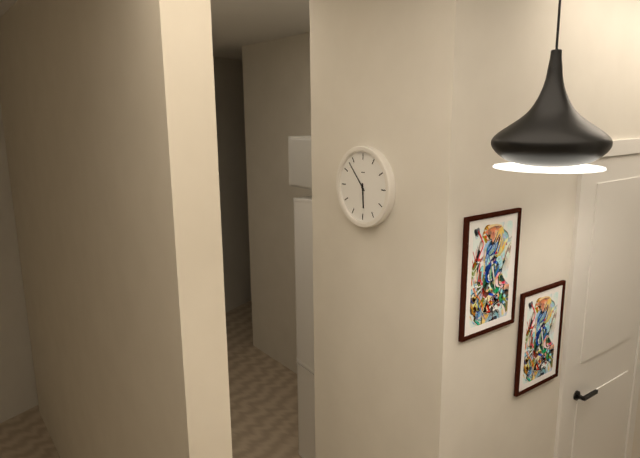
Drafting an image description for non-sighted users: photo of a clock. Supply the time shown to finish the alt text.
5:53
